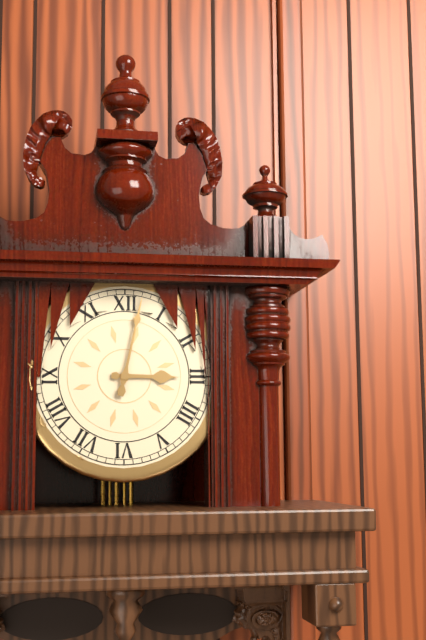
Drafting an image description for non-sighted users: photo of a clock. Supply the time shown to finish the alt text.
3:02
